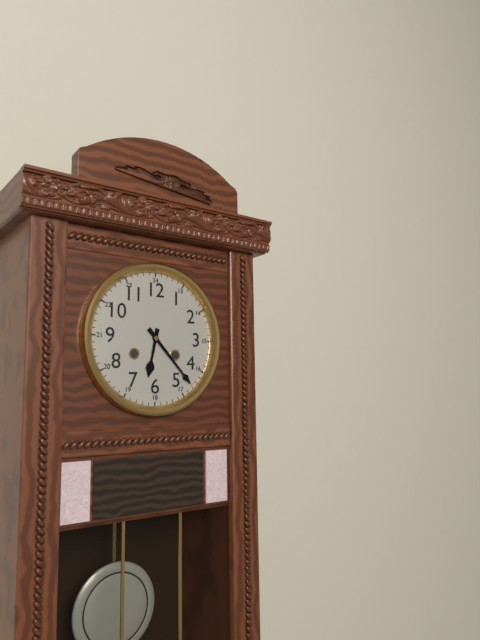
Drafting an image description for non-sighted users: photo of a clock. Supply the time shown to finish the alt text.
6:23
